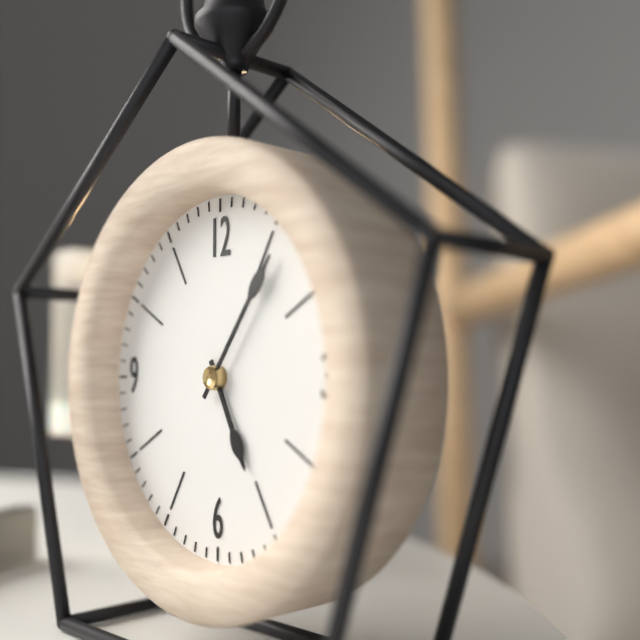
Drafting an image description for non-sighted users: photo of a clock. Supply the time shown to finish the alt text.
5:06
